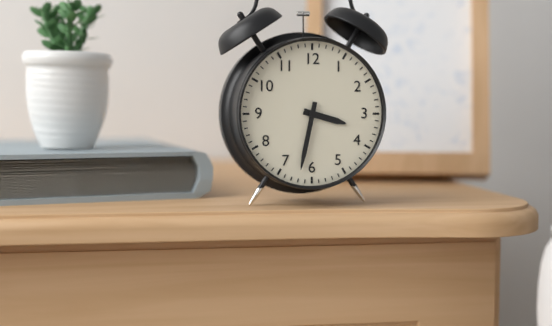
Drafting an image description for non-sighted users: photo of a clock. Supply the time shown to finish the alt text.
3:32
